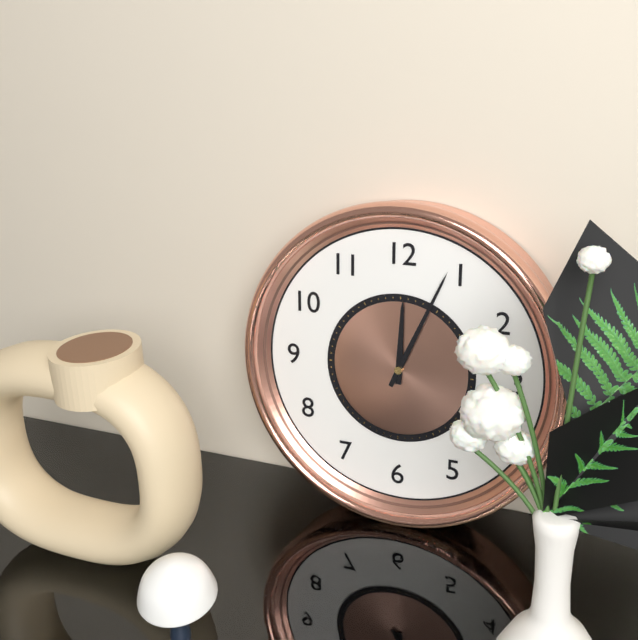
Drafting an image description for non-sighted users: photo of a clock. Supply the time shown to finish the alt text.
12:04
